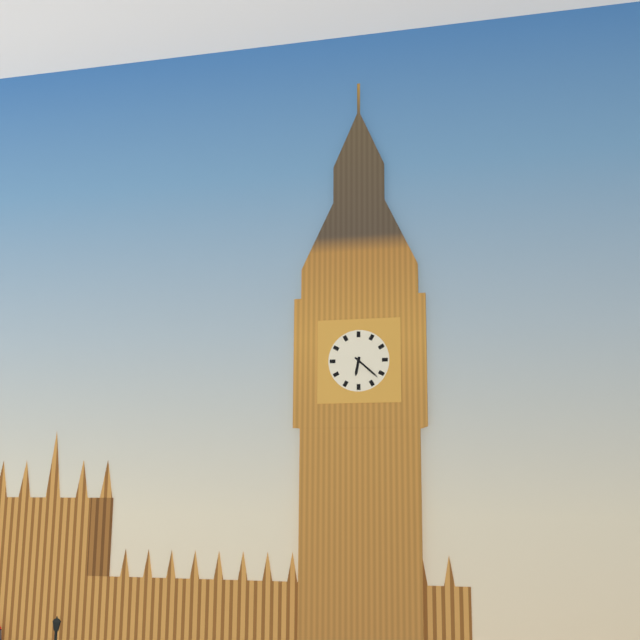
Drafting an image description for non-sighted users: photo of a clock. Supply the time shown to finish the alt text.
6:22
